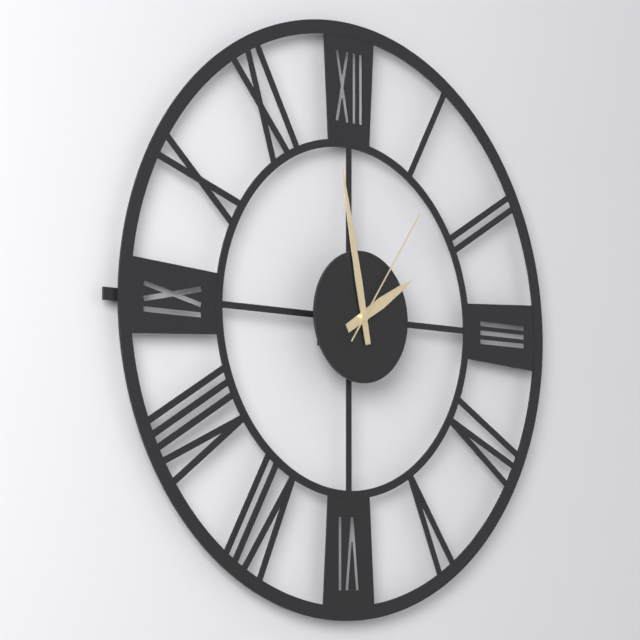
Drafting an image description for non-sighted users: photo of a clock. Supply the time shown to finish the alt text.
1:58:06
